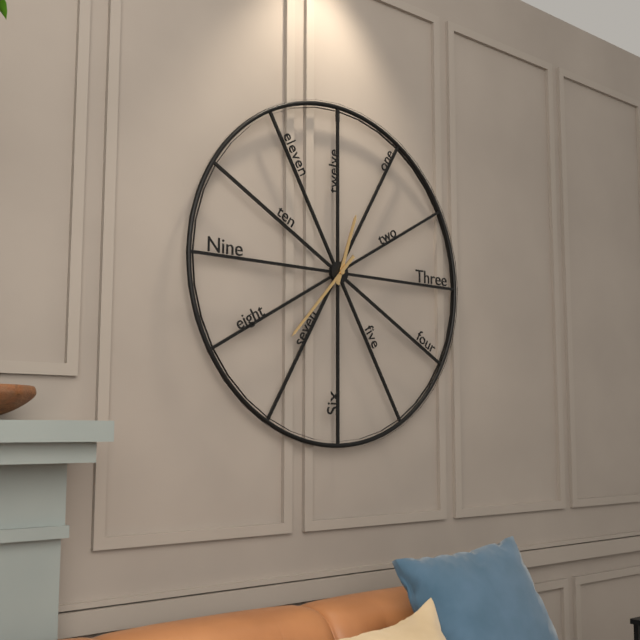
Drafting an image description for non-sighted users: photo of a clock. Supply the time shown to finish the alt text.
12:37
